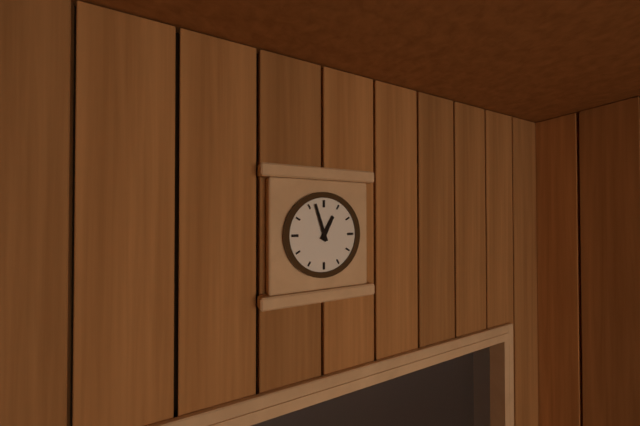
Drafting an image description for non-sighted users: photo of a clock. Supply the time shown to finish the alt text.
12:57
